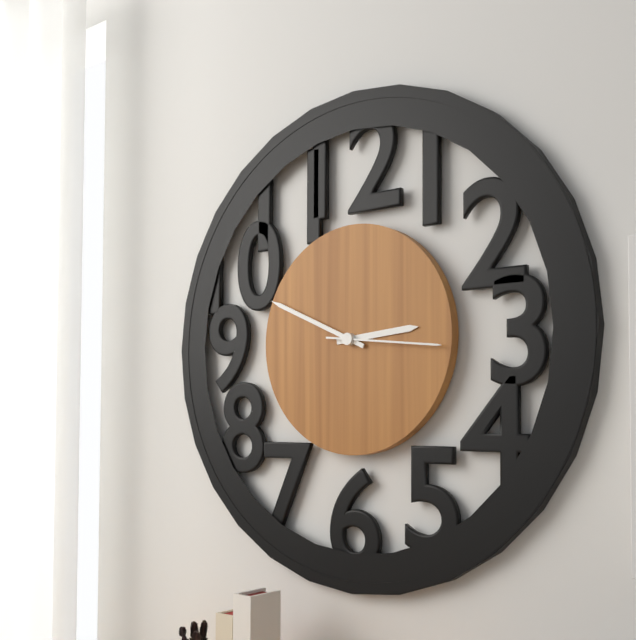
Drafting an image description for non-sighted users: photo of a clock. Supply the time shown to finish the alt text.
2:49:16
